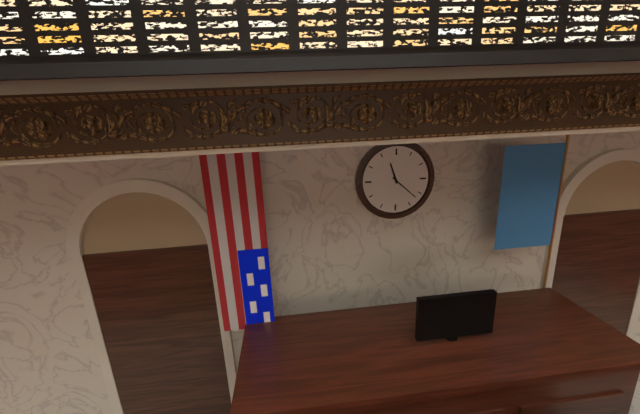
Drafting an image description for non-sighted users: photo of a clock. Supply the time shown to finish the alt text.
11:22
